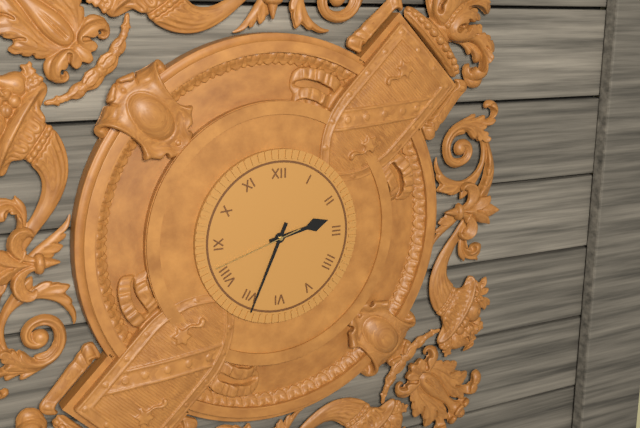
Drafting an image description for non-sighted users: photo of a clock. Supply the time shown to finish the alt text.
2:34:42
